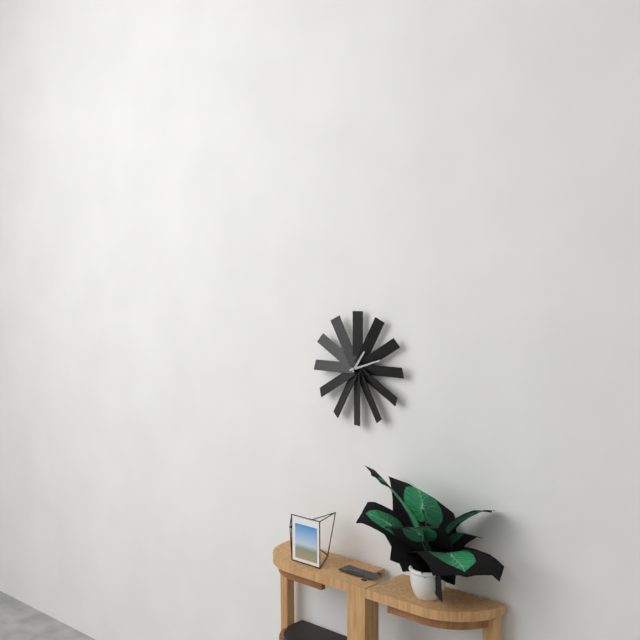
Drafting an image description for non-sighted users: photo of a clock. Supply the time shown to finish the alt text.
1:12
